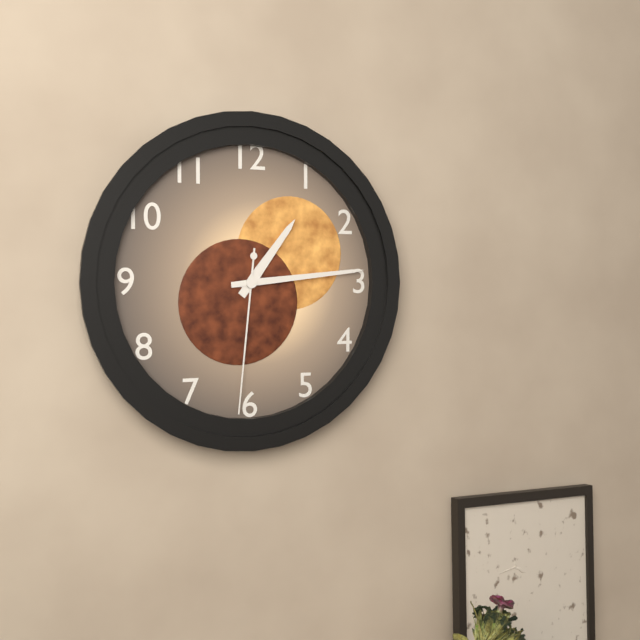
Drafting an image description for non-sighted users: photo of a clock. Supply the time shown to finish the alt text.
1:14:31
